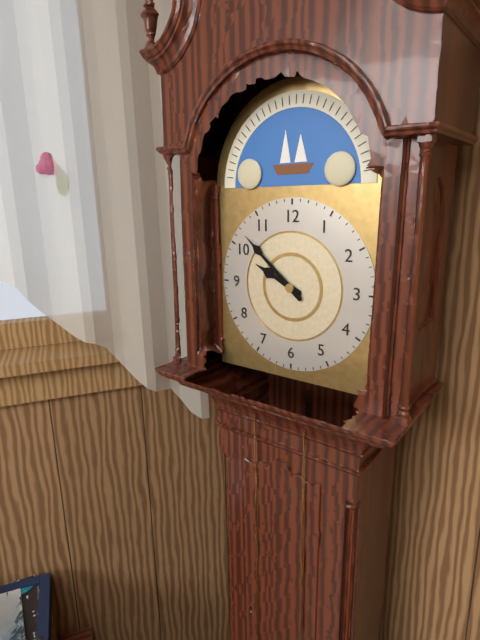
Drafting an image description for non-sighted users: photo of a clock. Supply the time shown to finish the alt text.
9:52
